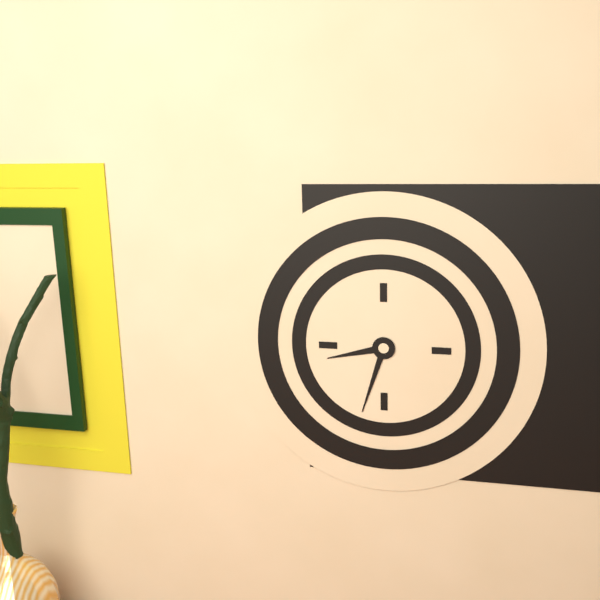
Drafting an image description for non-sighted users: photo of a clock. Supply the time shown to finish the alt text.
8:33
